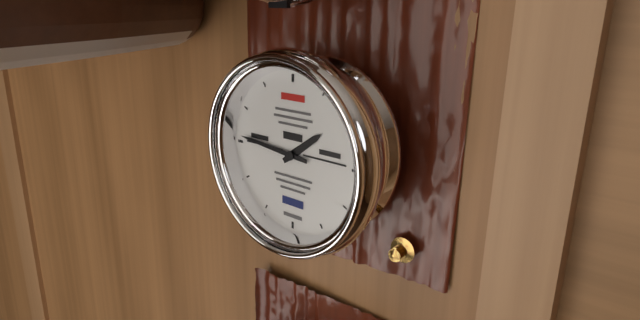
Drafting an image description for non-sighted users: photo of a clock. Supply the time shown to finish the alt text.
1:46
